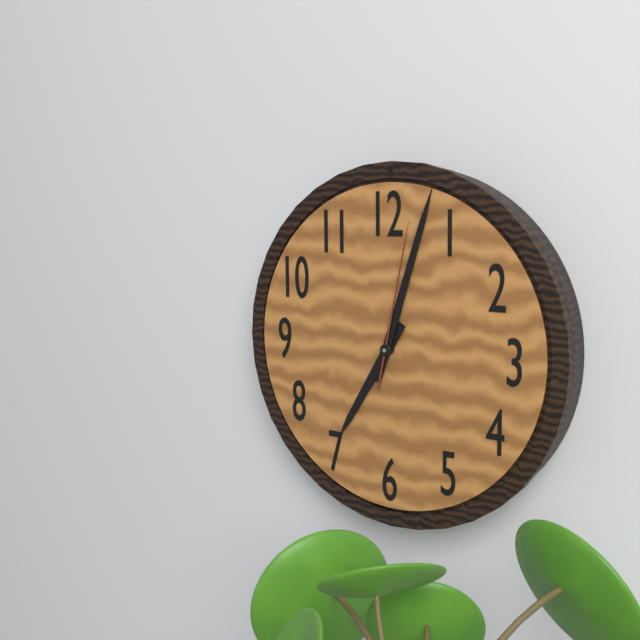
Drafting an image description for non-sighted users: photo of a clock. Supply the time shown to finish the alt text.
7:03:02
